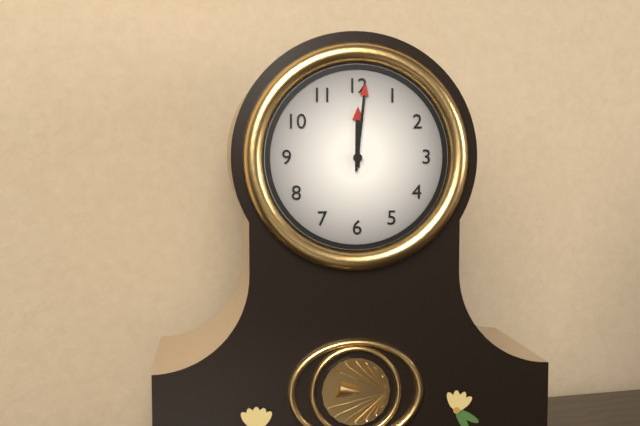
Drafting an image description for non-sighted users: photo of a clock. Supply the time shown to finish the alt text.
12:01
